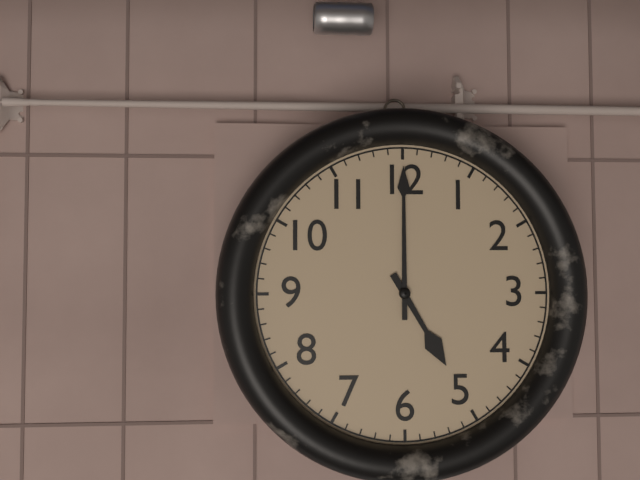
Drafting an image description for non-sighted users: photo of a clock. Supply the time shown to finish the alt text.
5:00
